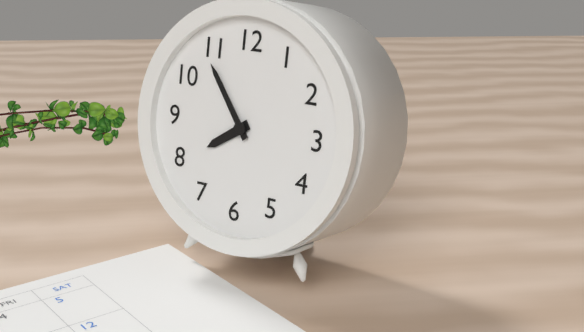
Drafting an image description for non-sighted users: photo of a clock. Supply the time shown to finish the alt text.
7:54
